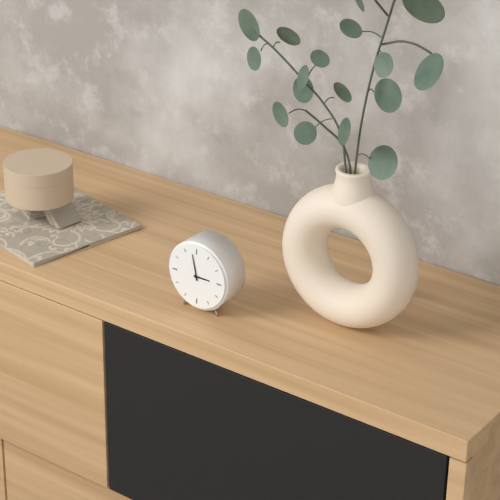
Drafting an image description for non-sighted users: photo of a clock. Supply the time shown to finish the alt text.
2:58
